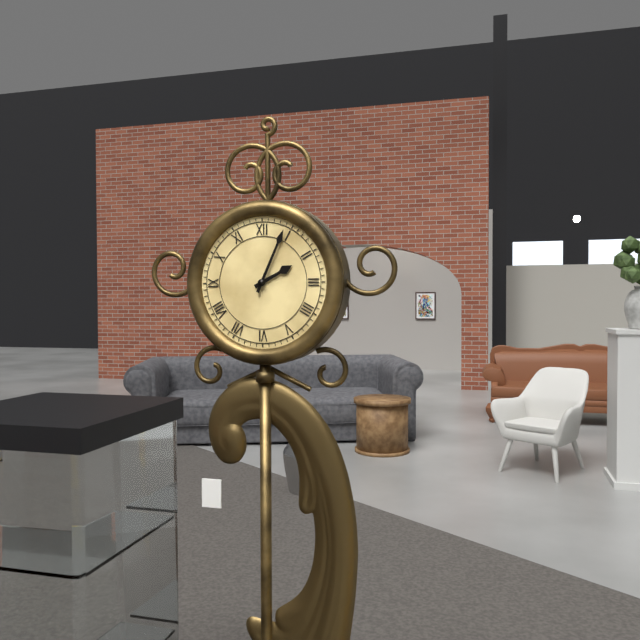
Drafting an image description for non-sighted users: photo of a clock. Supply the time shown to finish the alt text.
2:04
